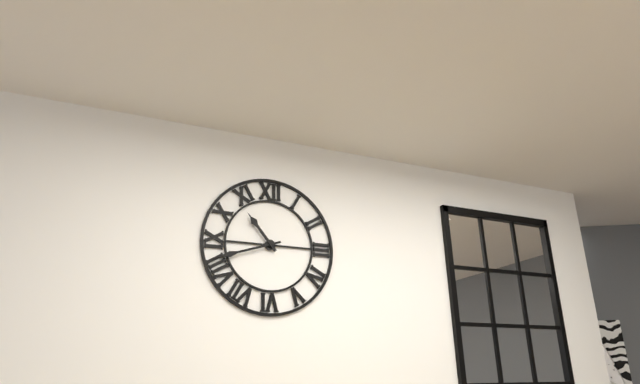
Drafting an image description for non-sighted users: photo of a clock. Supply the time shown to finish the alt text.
10:42
